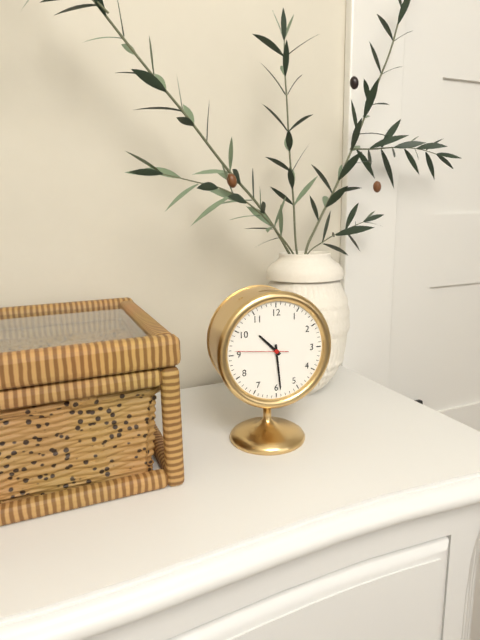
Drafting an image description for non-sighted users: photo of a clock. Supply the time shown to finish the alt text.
10:29:46
